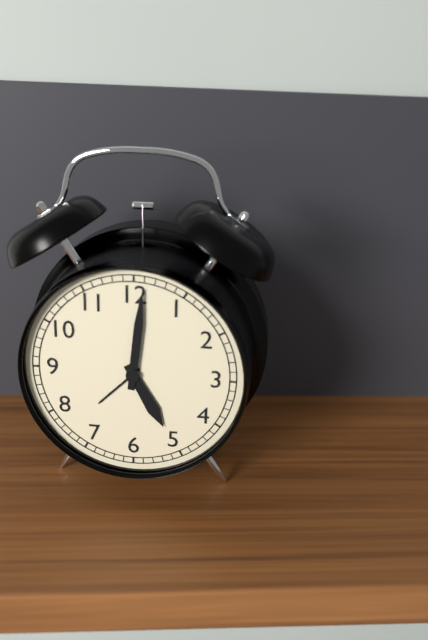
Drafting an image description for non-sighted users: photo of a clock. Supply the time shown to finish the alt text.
5:01
